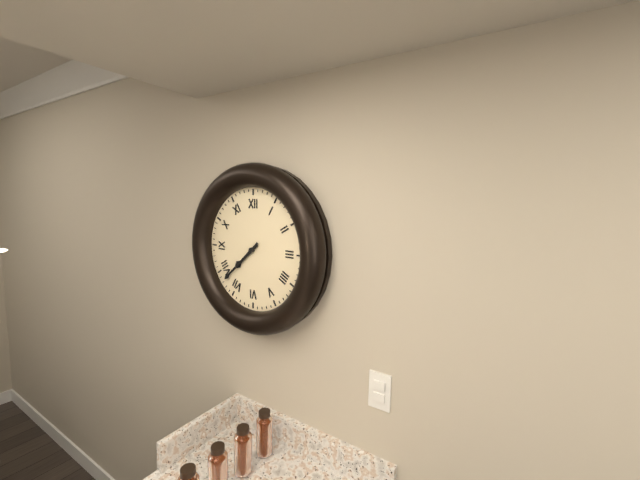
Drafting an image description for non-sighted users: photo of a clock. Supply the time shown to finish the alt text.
7:38
